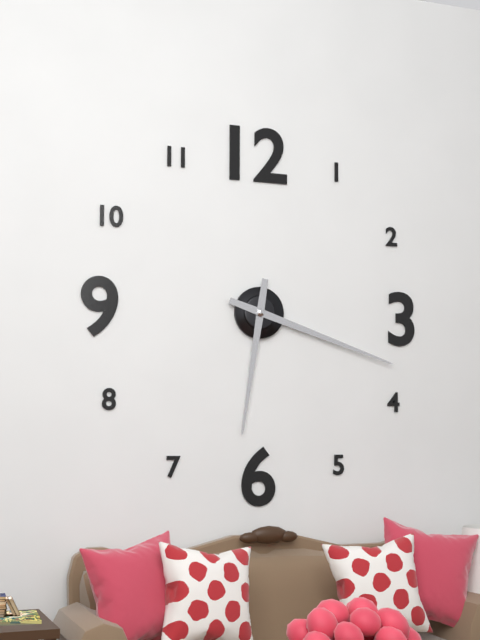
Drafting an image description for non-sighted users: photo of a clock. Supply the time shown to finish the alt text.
6:18
